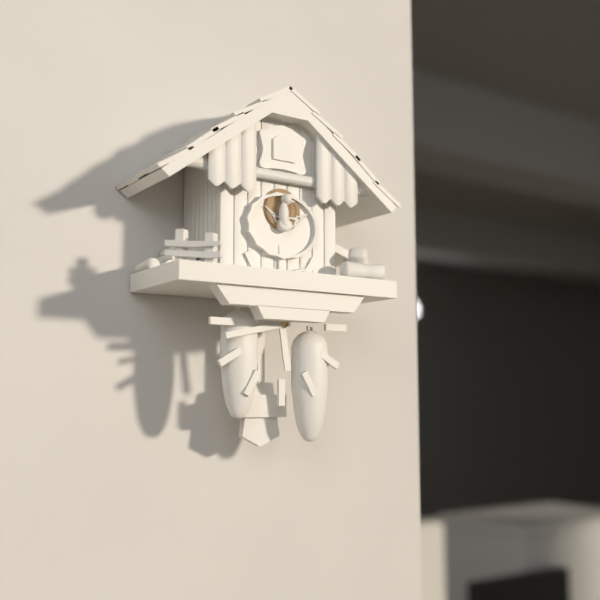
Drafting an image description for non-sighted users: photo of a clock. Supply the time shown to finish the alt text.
5:43
